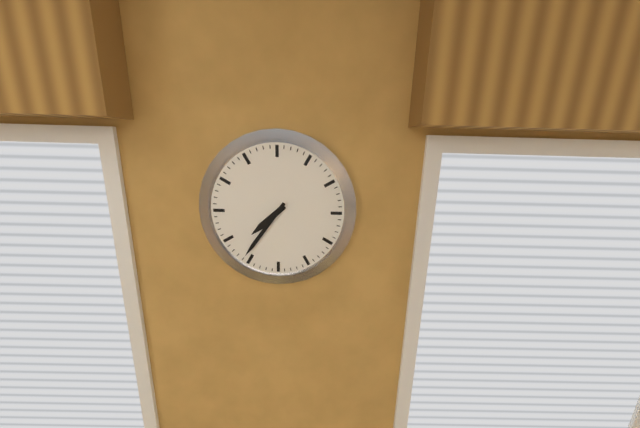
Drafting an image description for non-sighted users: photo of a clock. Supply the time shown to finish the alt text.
7:36
